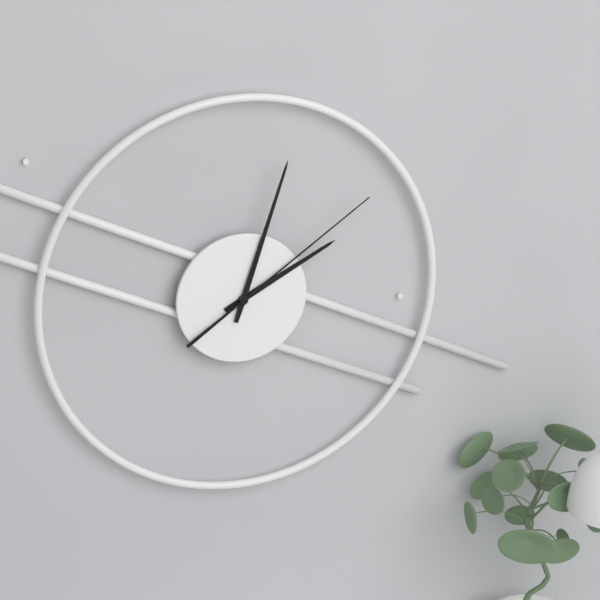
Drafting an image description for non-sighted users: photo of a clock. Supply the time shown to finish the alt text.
2:03:09
